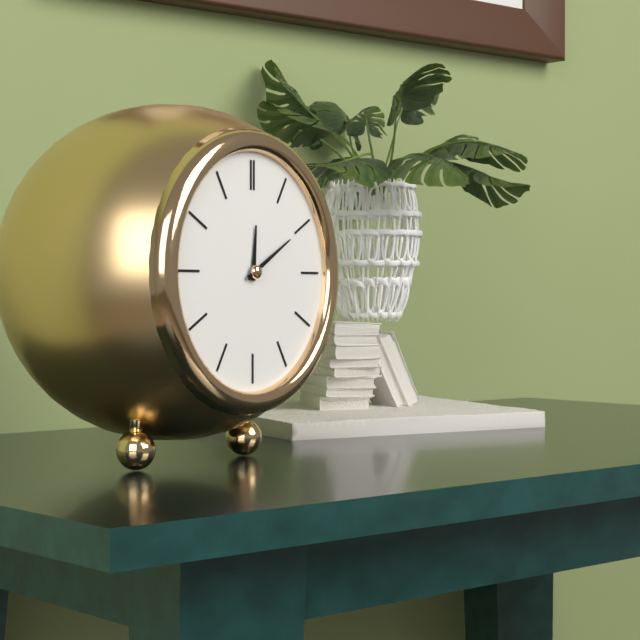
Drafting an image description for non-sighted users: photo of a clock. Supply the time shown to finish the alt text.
12:10
